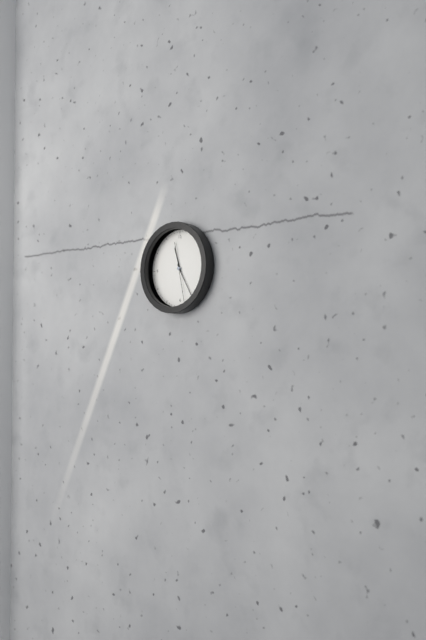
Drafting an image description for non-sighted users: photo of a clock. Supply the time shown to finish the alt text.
11:25
